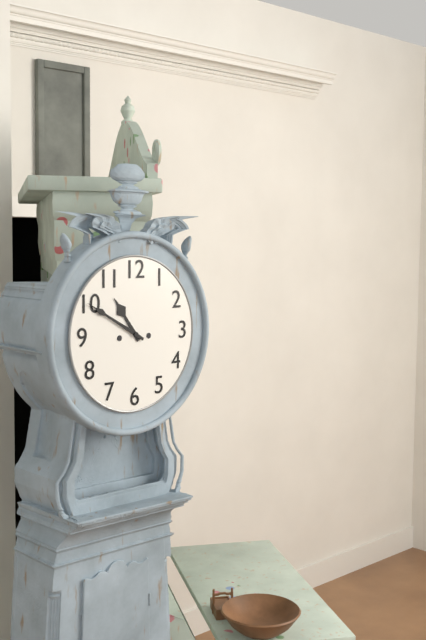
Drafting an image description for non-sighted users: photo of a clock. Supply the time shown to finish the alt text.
10:50
